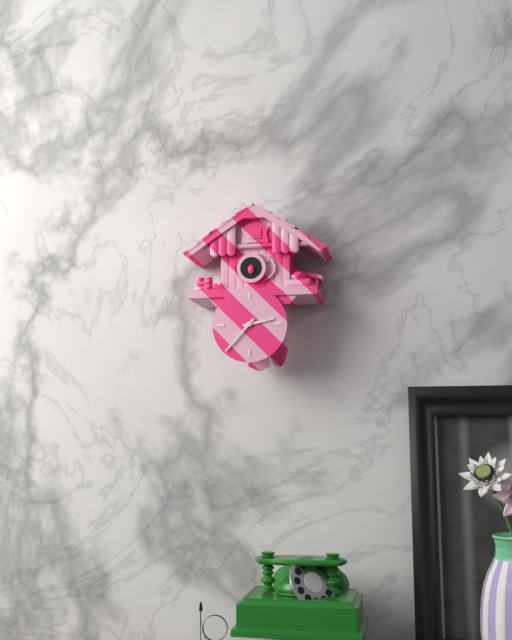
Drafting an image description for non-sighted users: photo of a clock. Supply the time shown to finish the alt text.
2:37
